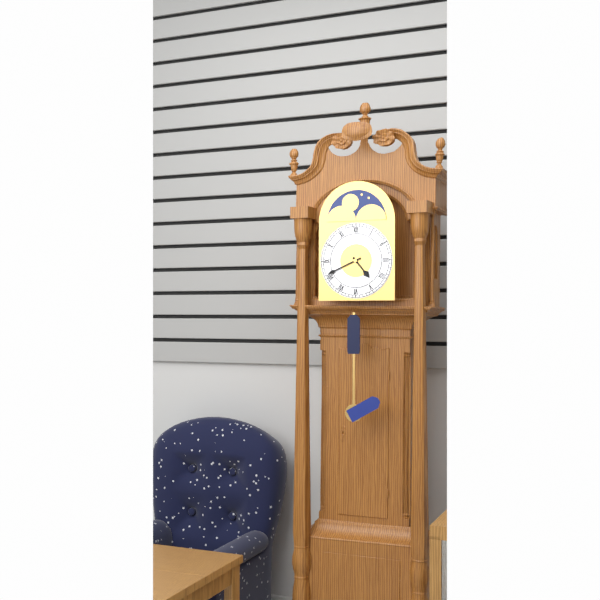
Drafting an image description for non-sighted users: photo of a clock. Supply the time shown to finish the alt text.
4:41
